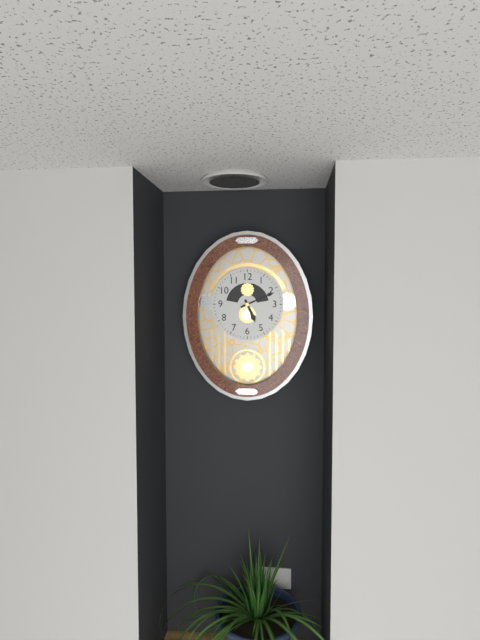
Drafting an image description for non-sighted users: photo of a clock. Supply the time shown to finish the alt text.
5:11
